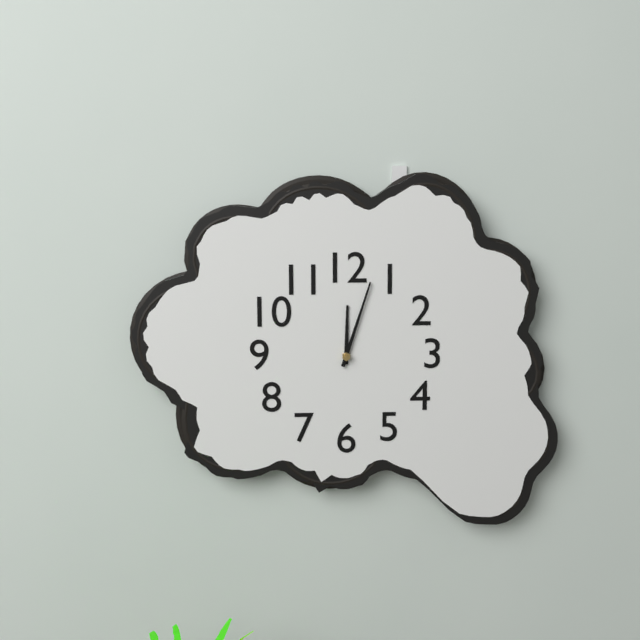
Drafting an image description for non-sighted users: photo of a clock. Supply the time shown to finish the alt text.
12:03
